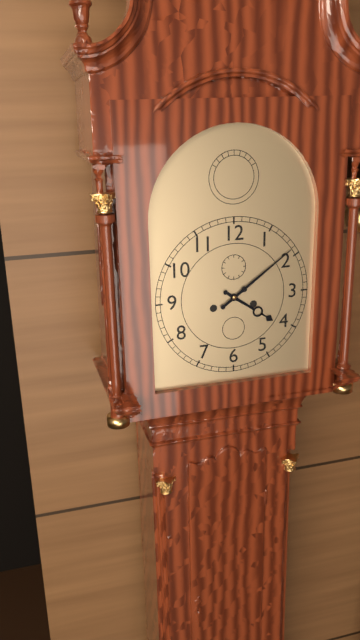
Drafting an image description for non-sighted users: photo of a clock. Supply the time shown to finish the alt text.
4:09
